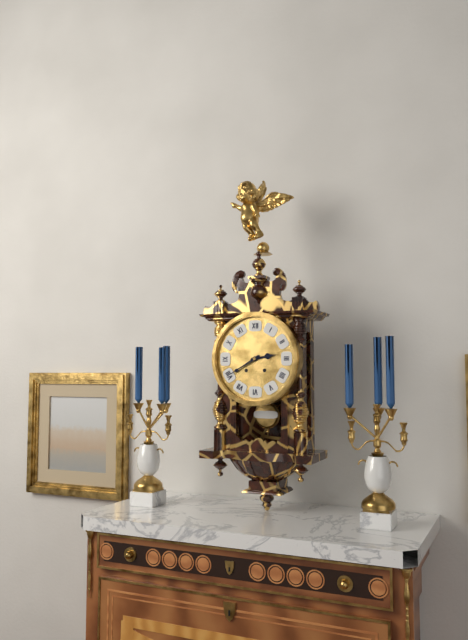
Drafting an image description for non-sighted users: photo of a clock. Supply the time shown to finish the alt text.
2:40
